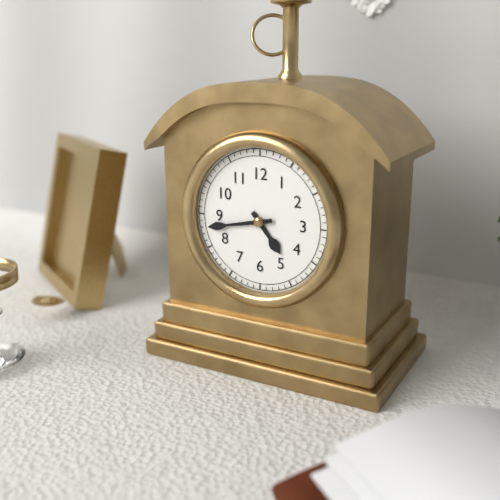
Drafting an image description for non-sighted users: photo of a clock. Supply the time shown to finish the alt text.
4:43
